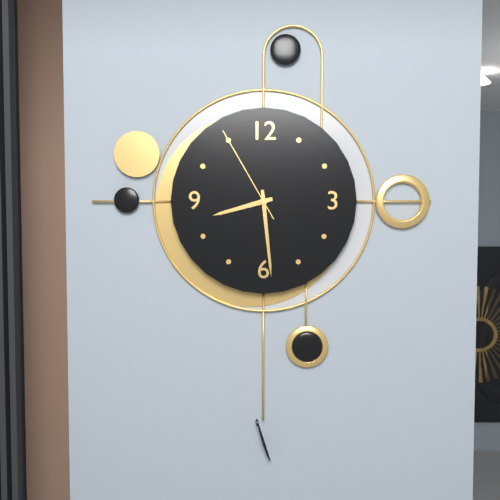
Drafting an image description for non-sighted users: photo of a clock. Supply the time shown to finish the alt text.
8:29:55
